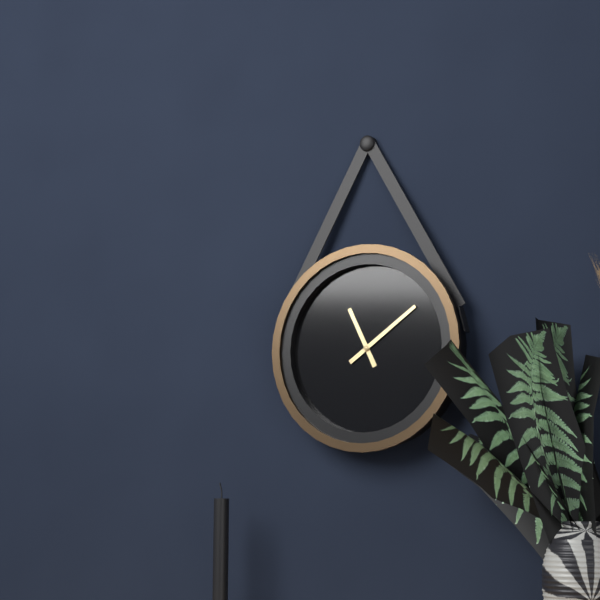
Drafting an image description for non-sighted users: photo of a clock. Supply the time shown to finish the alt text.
11:09
